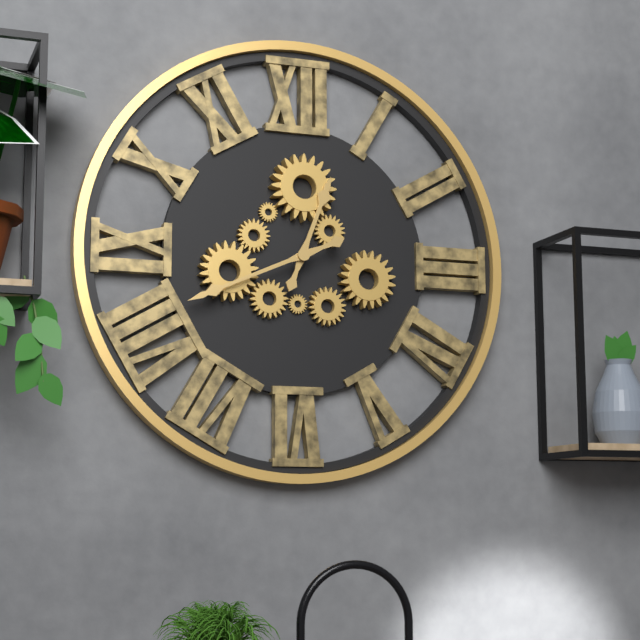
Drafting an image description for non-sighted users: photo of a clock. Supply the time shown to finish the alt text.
12:41
